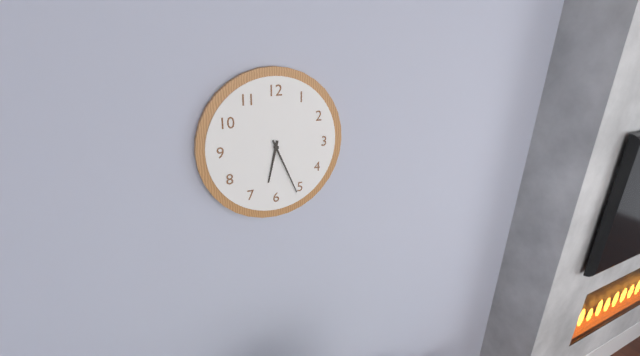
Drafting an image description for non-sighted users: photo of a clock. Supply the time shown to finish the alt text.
6:26
